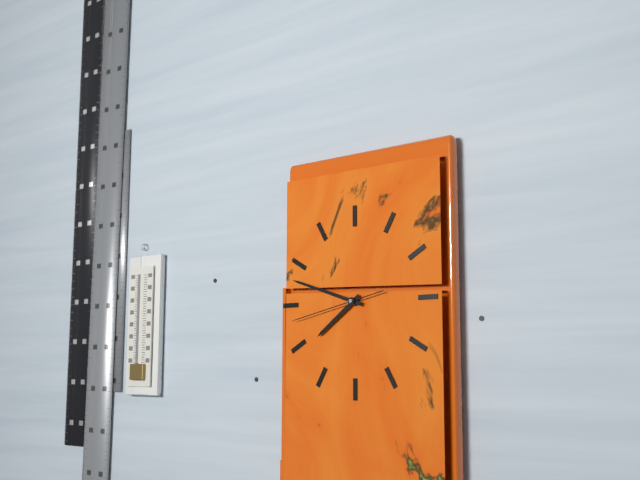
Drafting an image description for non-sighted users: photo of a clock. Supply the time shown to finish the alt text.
7:48:43
